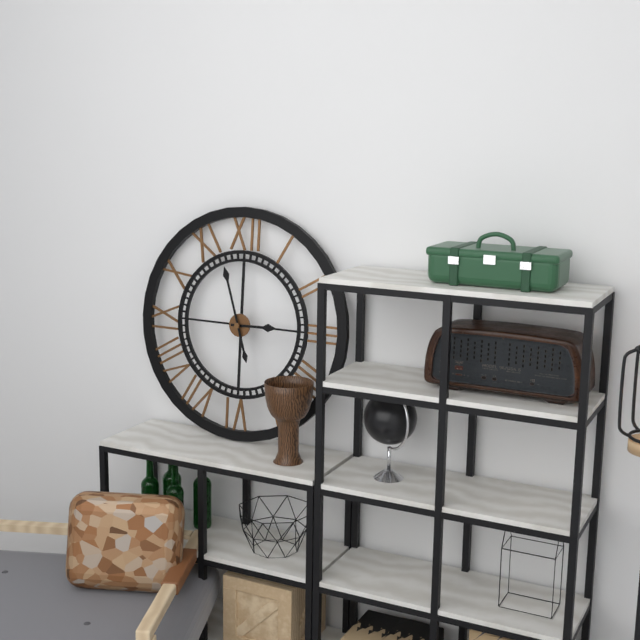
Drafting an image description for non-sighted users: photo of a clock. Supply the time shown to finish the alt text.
2:57
